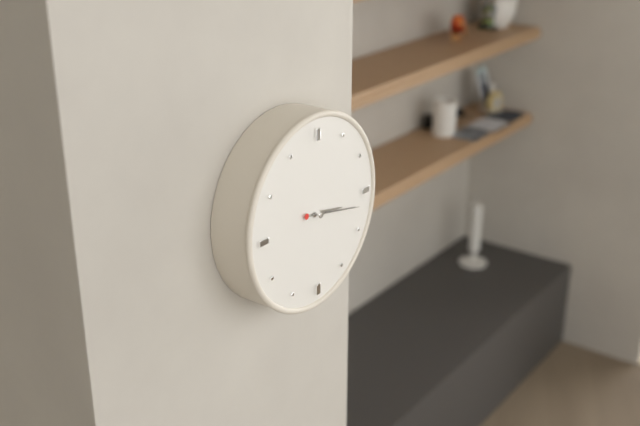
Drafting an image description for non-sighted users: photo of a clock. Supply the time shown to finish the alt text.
3:17:17
